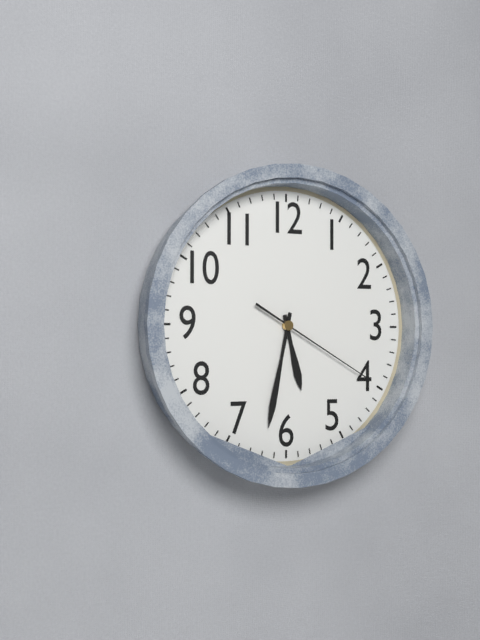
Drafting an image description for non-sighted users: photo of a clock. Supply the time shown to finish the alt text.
5:32:20
